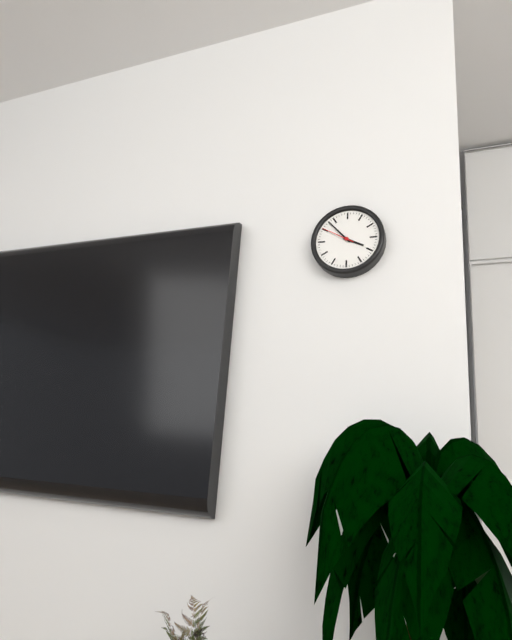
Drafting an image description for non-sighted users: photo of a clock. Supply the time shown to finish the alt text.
3:53
